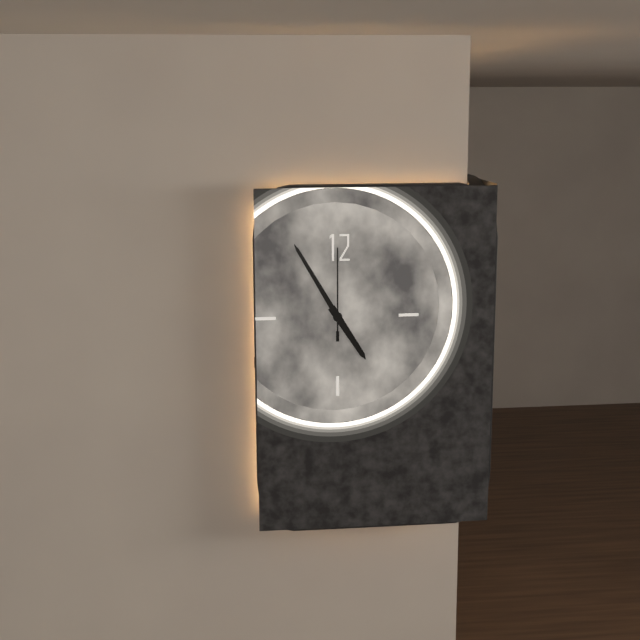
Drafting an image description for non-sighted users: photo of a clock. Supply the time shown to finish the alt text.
4:55:00
